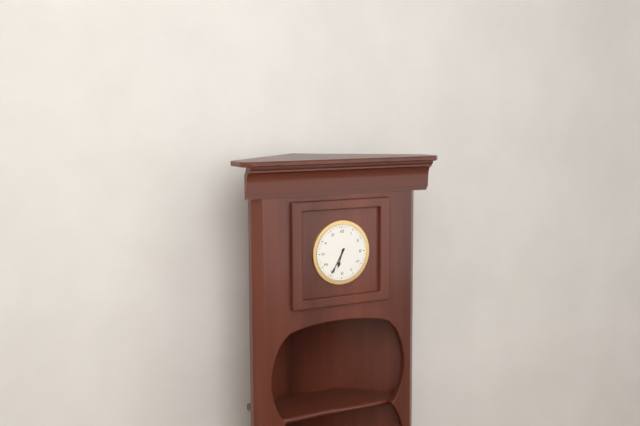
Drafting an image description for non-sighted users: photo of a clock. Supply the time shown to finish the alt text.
6:35
